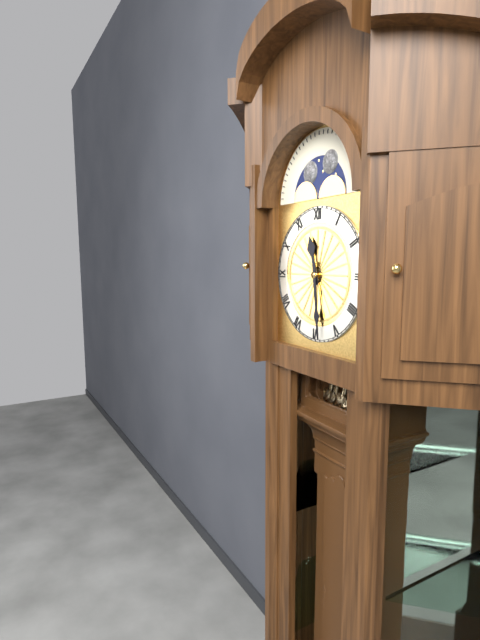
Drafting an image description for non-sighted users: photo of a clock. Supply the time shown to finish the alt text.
11:29
